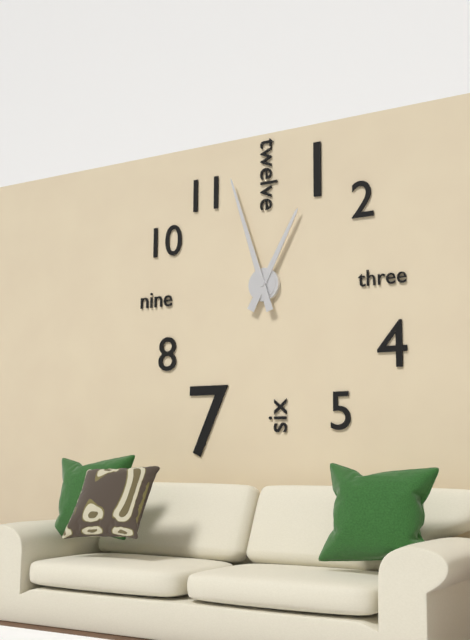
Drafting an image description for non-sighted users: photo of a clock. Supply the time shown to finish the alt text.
12:57
